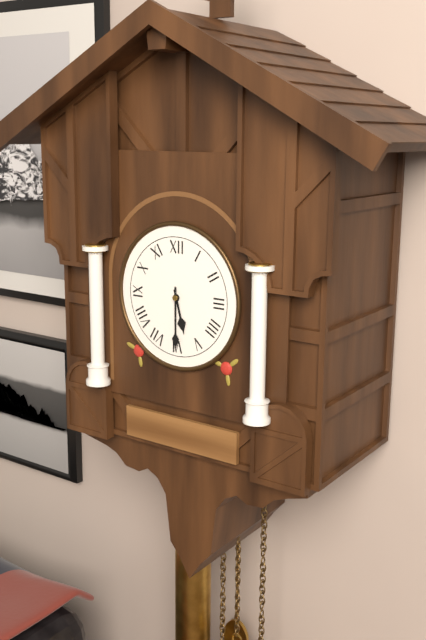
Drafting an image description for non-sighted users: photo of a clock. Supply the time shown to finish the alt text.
5:30
